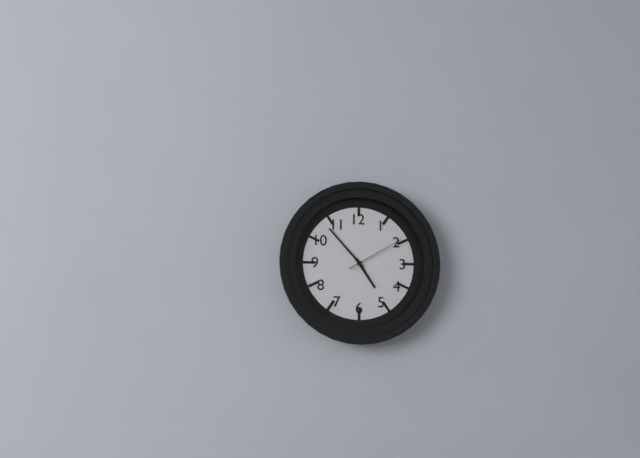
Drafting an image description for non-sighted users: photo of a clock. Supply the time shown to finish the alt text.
4:53:10
